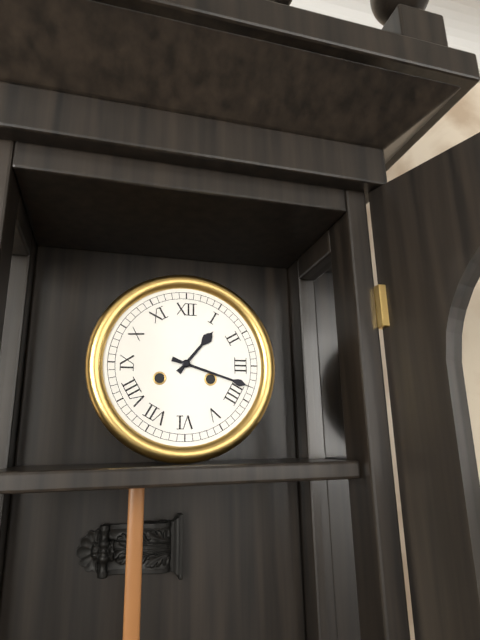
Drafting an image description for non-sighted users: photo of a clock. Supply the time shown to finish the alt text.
1:18
